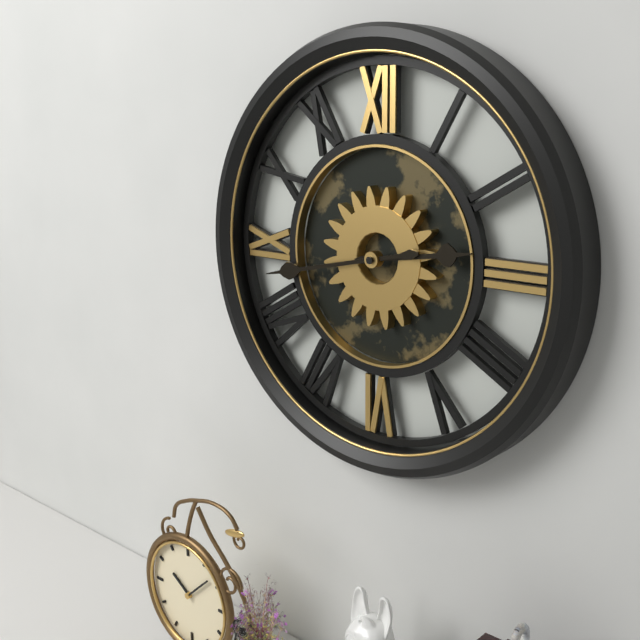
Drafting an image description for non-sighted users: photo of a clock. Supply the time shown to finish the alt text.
2:43
